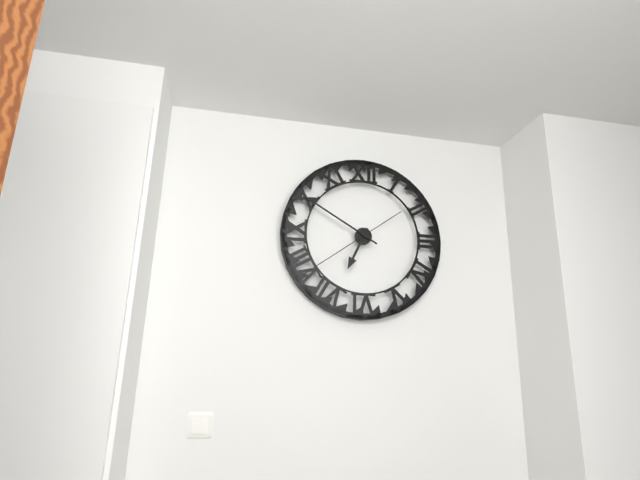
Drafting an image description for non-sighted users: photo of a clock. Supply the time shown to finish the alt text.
6:50:39
